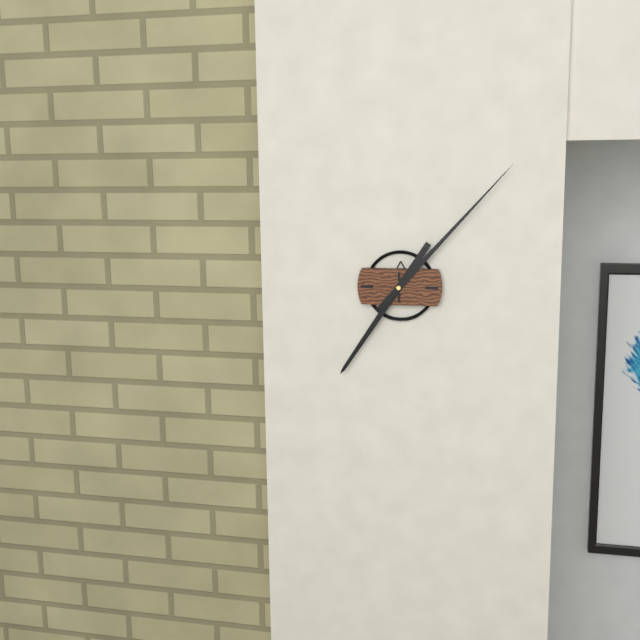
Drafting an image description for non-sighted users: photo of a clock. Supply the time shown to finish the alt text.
7:07
